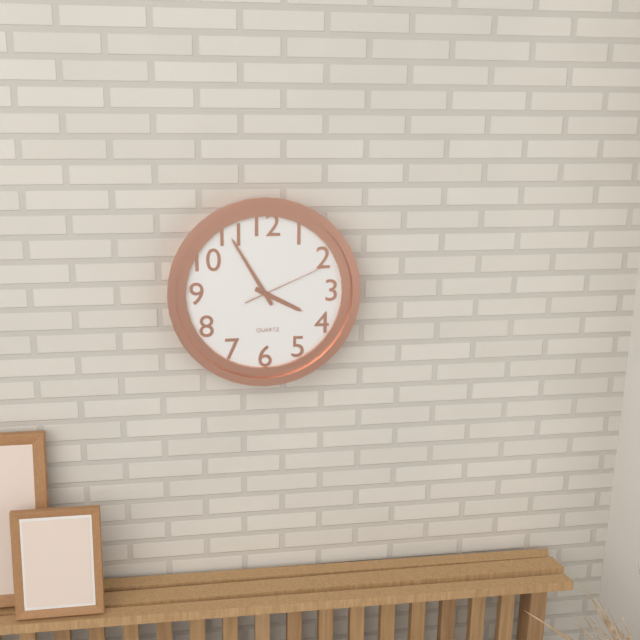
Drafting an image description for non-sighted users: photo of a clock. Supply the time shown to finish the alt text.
3:55:11
